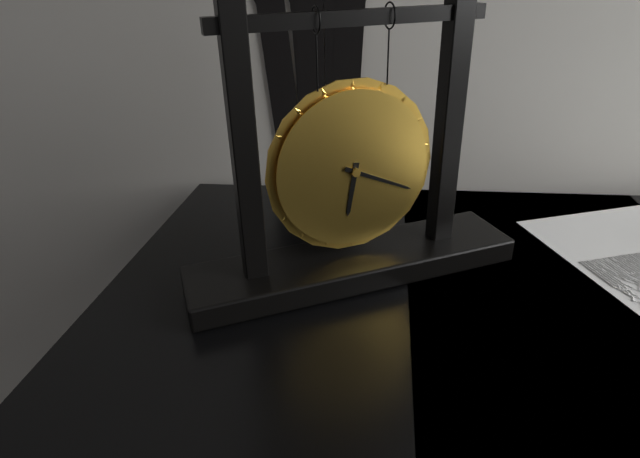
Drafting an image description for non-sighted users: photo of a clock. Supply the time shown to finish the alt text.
6:19
